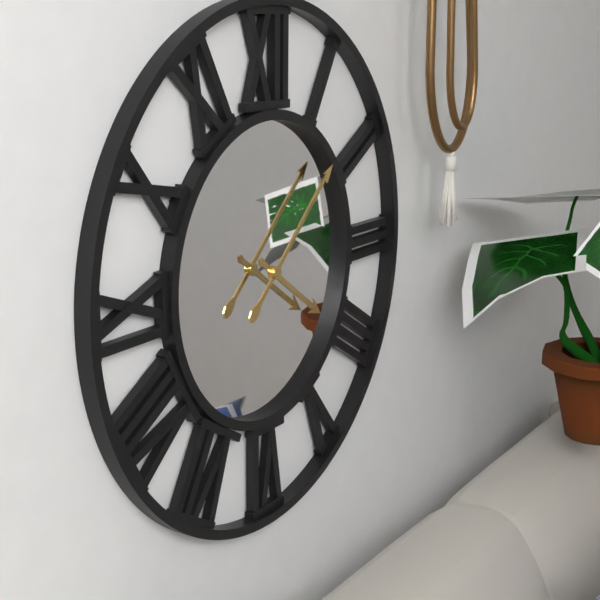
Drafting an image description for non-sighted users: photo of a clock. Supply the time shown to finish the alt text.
4:08
